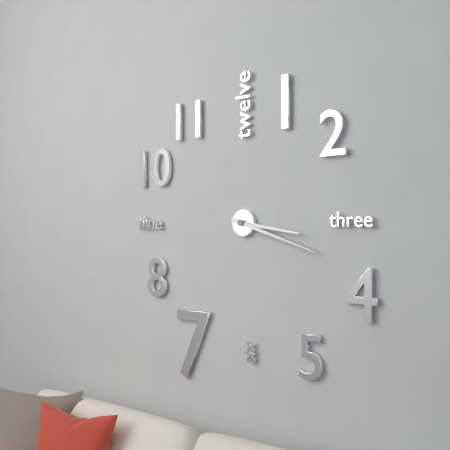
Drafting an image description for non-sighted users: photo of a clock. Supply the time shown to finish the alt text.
3:18
